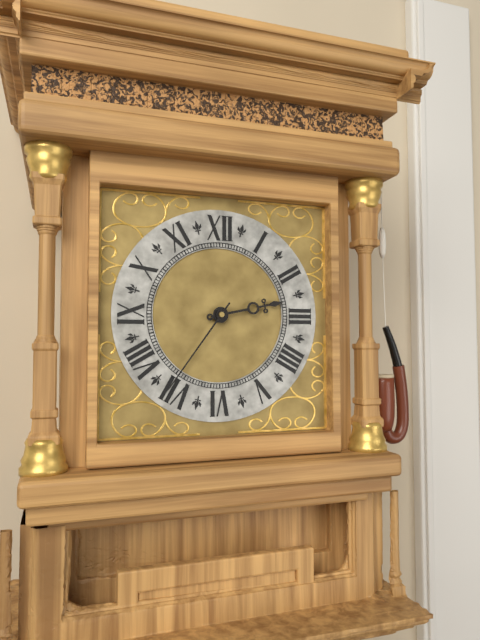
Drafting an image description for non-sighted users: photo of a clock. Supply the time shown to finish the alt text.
2:36
